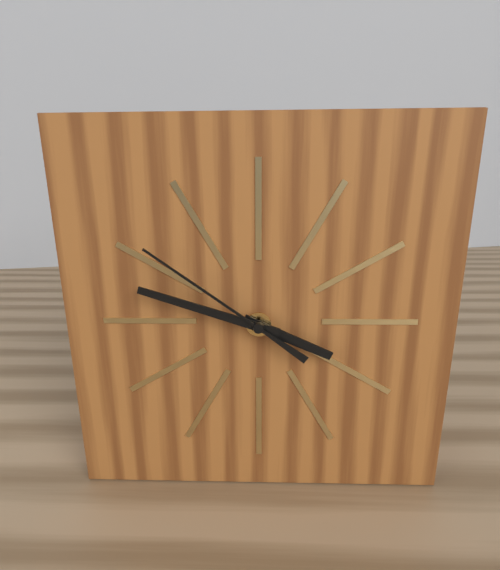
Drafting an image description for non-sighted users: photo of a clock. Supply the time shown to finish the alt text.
3:48:51
